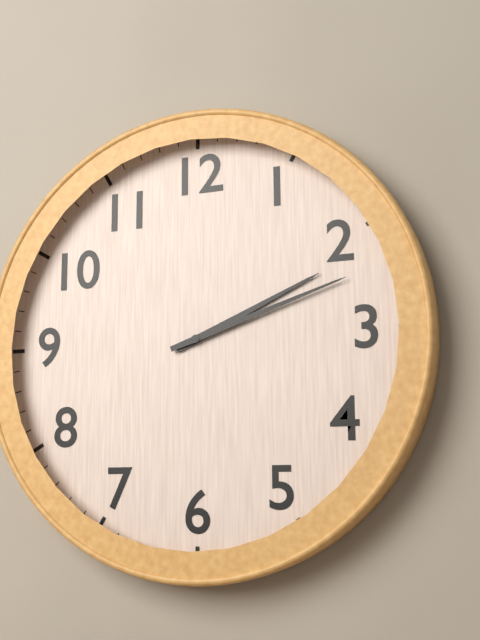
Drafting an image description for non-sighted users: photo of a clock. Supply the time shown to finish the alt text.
2:12
